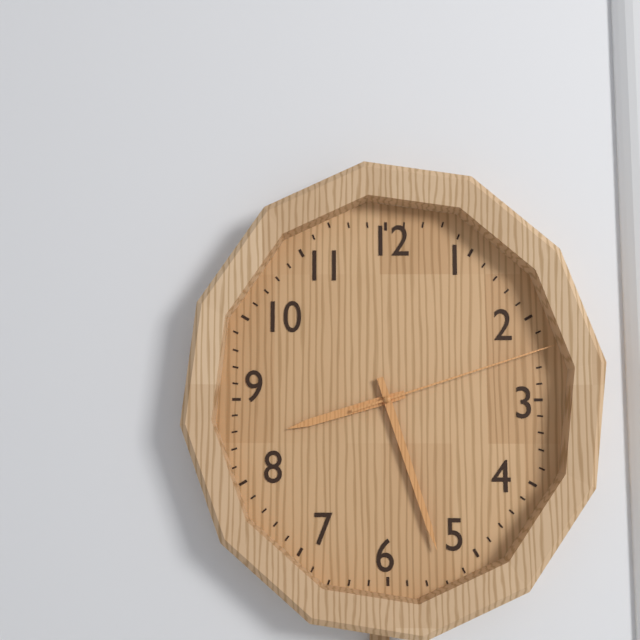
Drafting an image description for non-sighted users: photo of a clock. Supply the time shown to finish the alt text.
8:27:12
